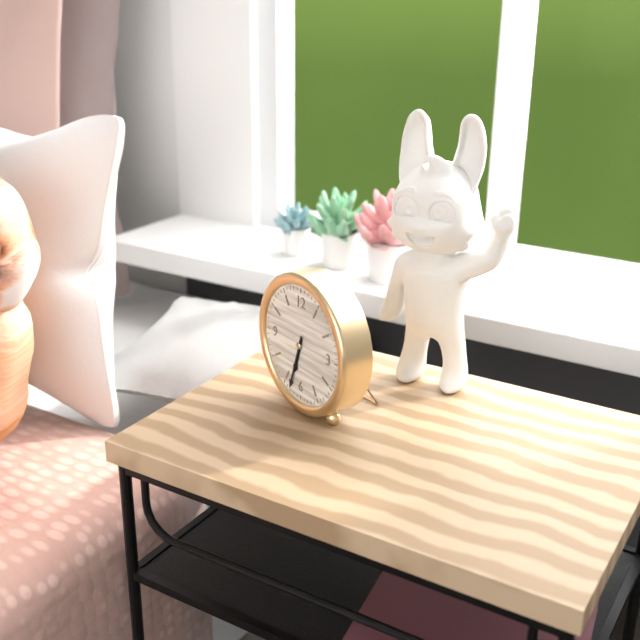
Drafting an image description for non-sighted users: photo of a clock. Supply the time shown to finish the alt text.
6:33
